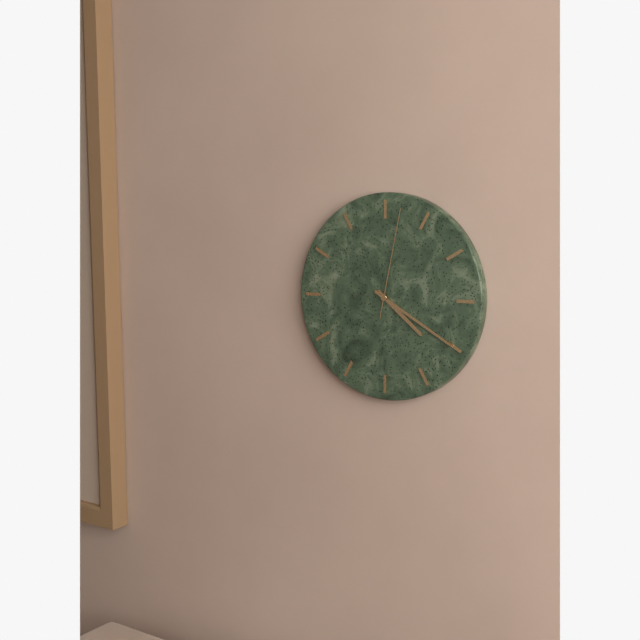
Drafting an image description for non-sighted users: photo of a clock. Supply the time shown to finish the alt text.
4:20:02
